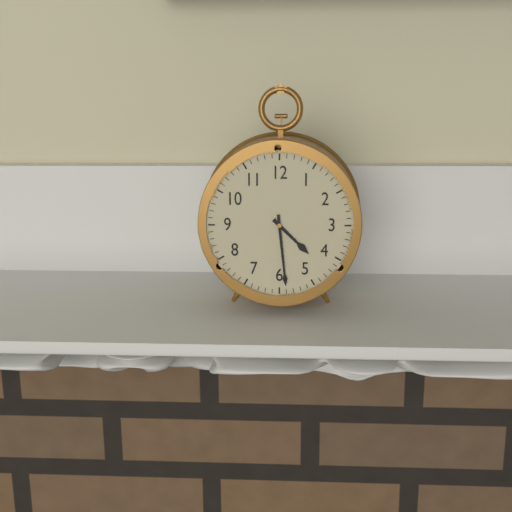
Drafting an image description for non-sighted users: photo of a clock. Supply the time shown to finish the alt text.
4:29
